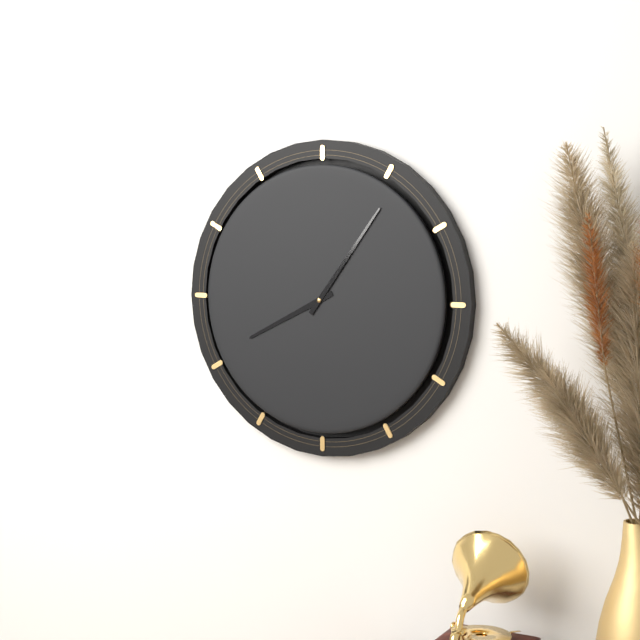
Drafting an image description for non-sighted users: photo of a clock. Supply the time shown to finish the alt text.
8:06
